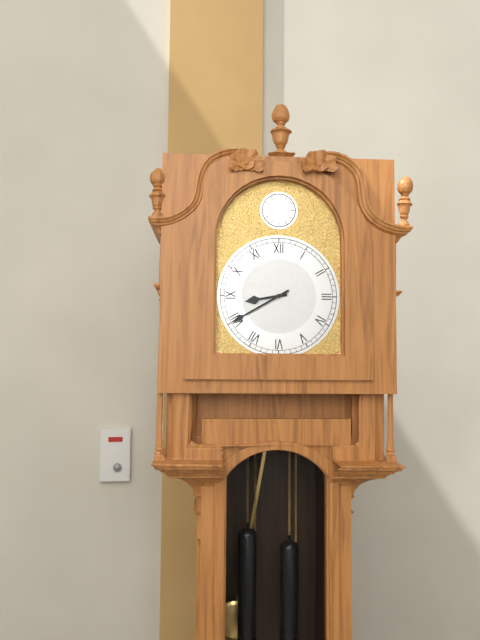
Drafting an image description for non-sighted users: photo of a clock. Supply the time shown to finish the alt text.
8:40
